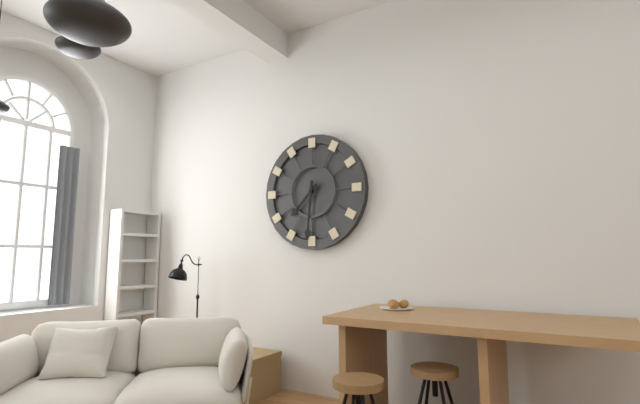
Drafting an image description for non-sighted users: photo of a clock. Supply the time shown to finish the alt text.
7:31
